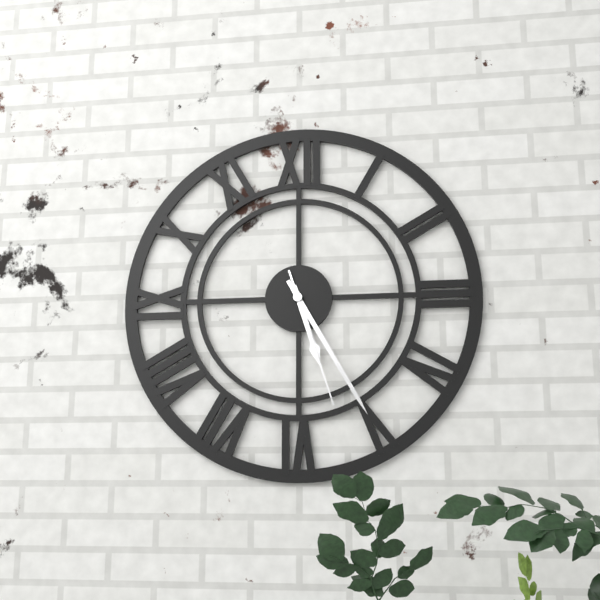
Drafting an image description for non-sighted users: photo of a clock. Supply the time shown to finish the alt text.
5:25:27
